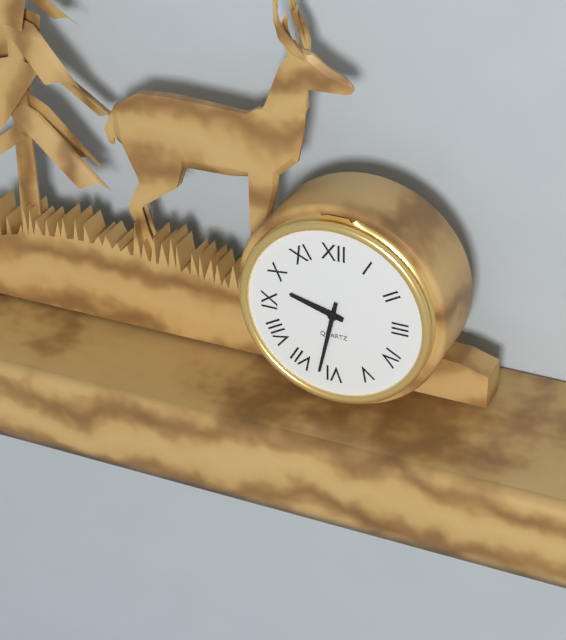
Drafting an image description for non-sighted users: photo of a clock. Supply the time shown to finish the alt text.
9:32
